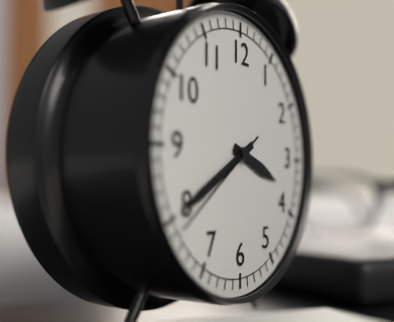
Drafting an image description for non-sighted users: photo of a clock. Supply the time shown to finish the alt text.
3:40:39
